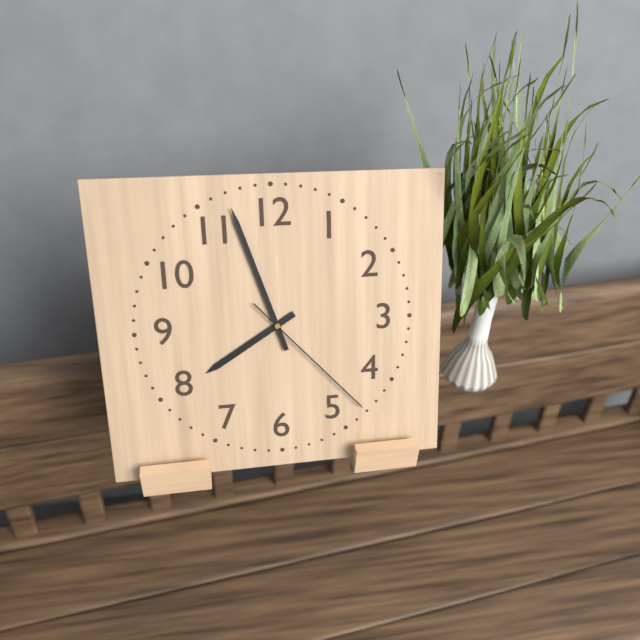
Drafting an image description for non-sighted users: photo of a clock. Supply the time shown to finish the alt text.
7:57:23
